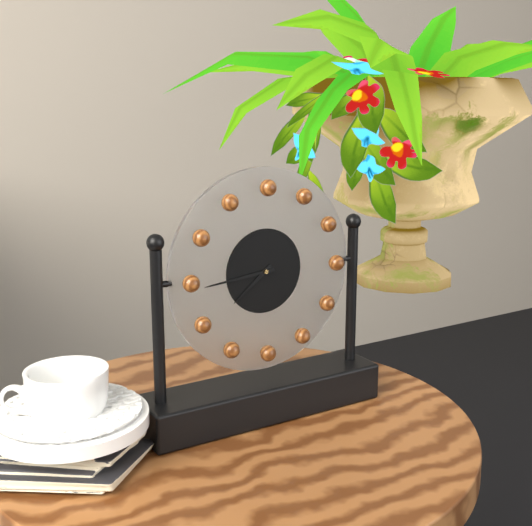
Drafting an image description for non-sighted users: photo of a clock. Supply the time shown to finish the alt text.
7:44
